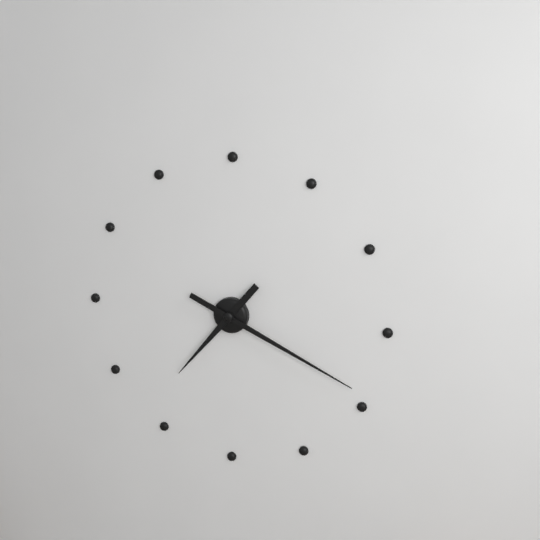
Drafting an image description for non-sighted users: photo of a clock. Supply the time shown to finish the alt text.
7:19
